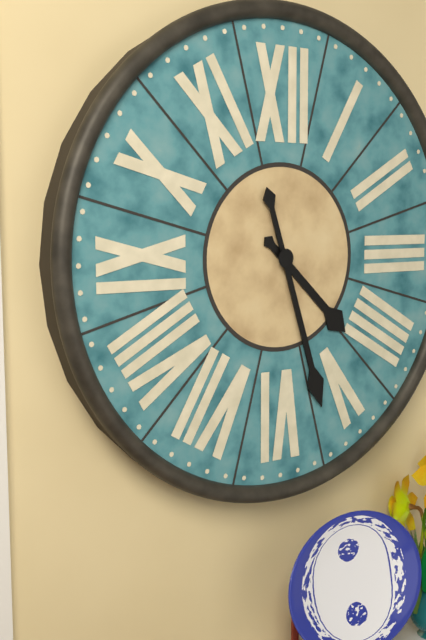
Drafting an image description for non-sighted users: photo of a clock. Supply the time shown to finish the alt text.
4:27
